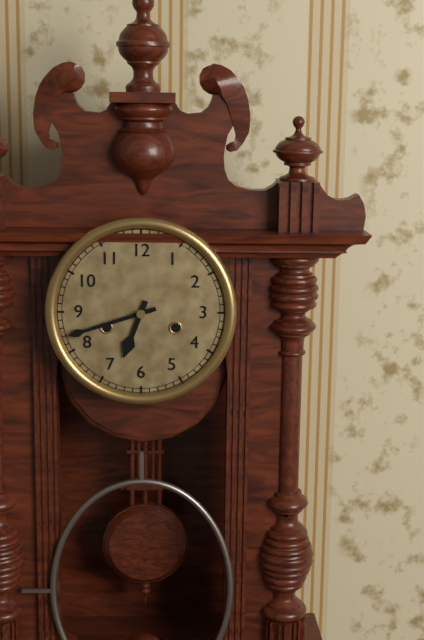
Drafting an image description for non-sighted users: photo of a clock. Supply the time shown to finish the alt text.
6:42
